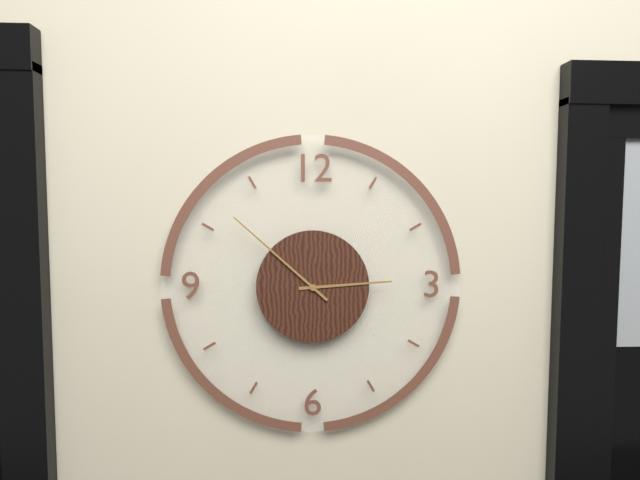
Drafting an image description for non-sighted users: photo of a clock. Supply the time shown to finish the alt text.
2:52
